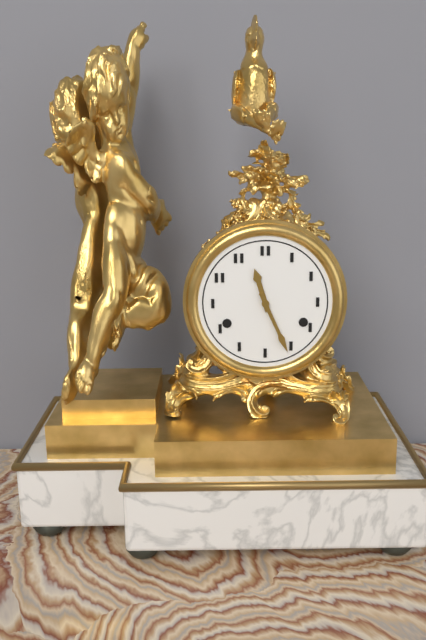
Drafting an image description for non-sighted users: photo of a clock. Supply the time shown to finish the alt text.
11:26
